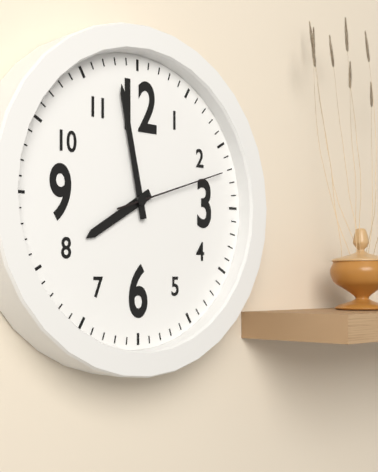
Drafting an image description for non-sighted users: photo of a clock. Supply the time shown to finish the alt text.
7:58:12
